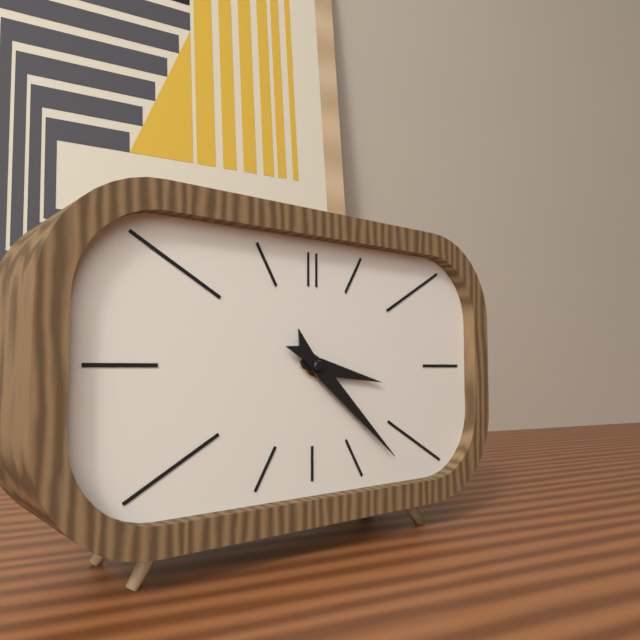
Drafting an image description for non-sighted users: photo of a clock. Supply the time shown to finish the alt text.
3:22
